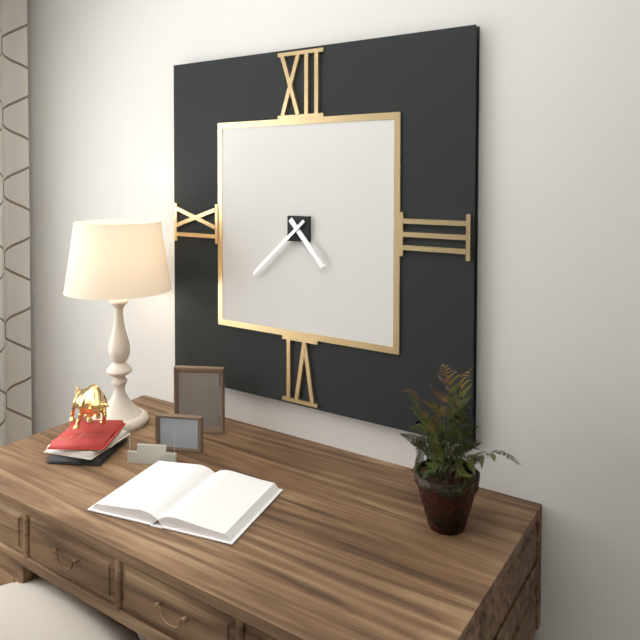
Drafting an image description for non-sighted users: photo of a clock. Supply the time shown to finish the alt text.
4:38
